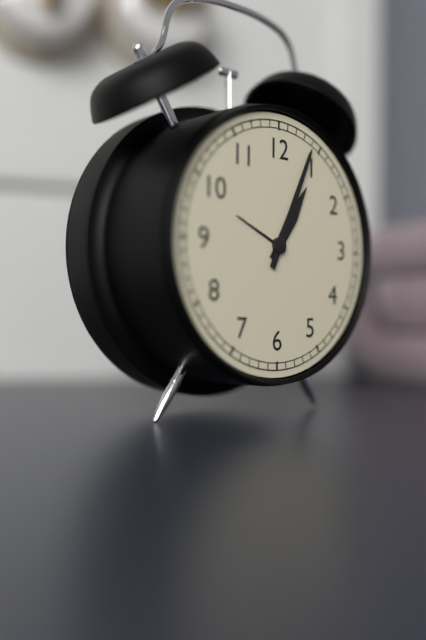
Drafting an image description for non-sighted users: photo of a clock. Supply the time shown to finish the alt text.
1:04
